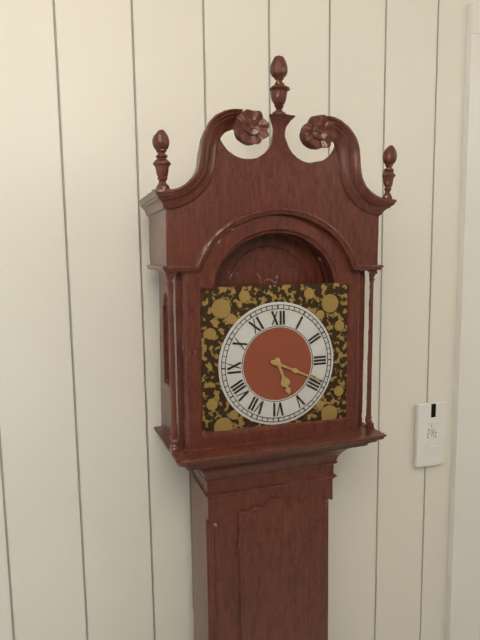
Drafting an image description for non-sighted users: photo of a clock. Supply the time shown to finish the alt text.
5:19
